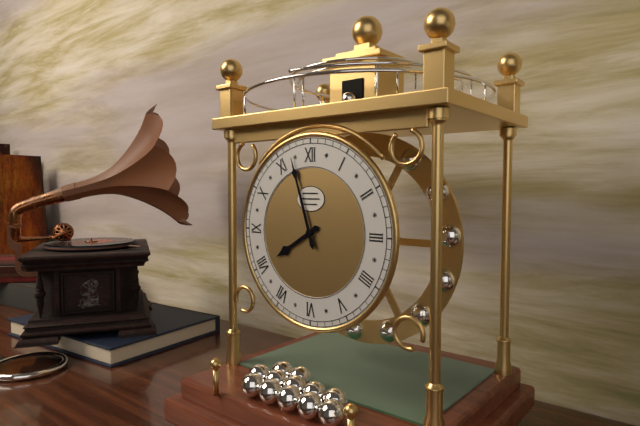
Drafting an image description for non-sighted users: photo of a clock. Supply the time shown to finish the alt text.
7:57
